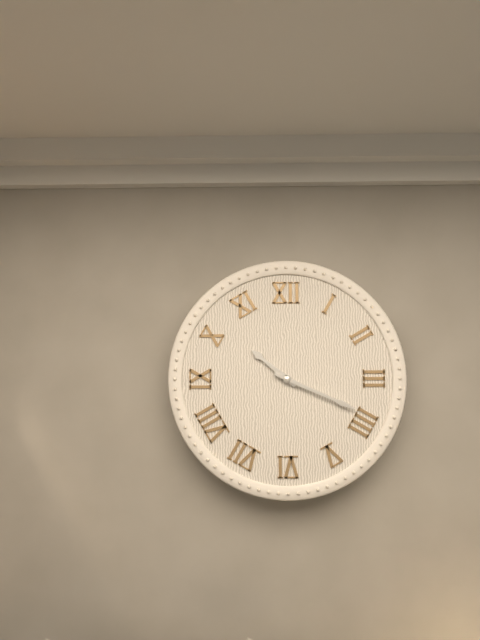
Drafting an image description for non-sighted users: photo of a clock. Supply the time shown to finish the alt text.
10:19
